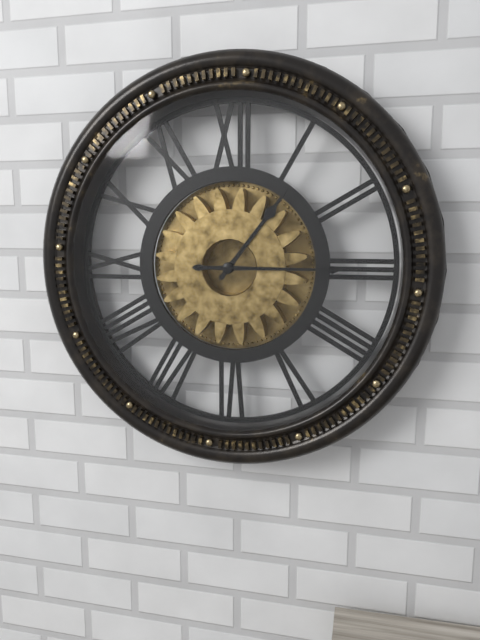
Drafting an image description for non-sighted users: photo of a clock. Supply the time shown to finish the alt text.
1:15
